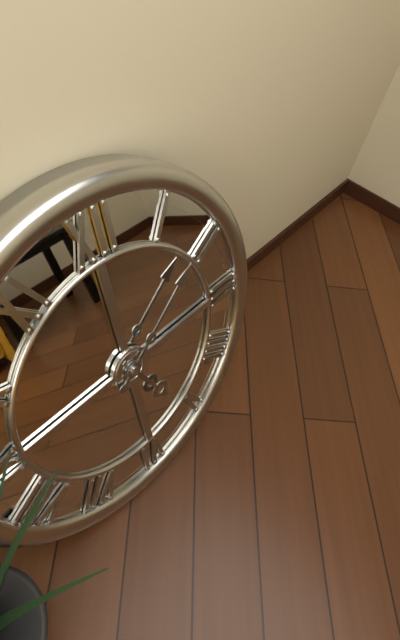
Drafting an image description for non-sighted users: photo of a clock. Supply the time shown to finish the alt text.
5:09
